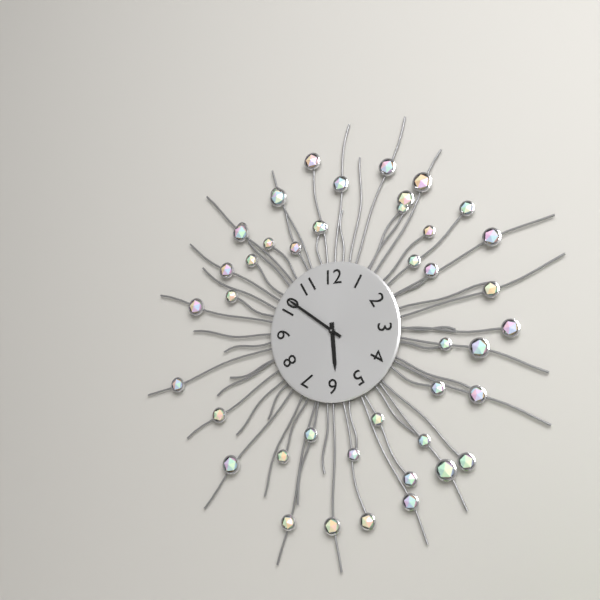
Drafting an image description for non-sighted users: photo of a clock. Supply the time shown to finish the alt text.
5:51
